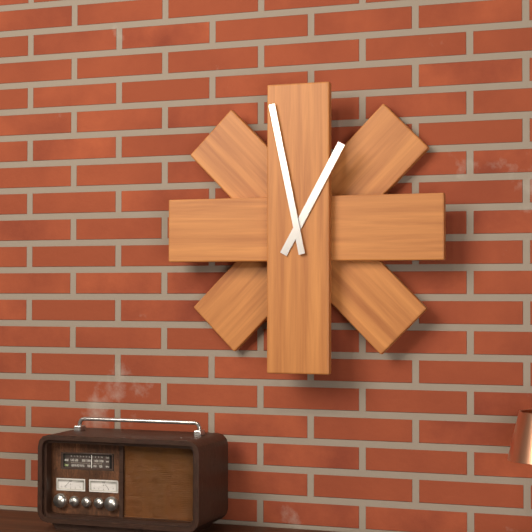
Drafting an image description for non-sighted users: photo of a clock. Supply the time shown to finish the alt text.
12:58
